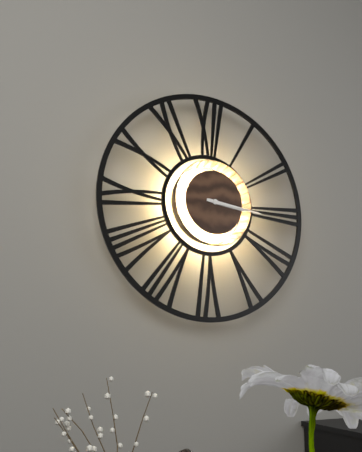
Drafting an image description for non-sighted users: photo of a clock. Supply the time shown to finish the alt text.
3:16
